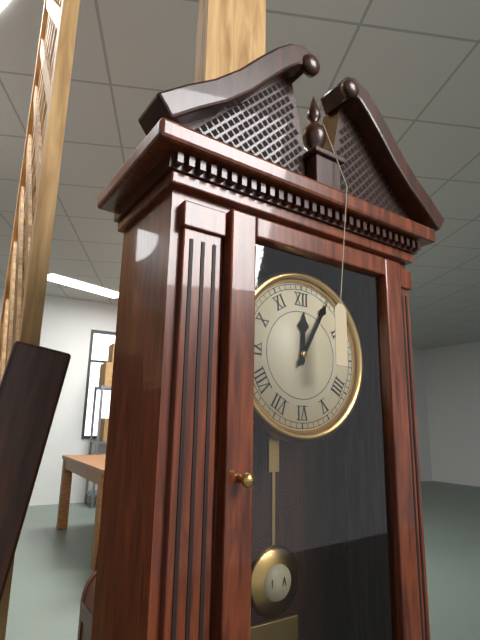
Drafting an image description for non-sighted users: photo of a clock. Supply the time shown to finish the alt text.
12:05
